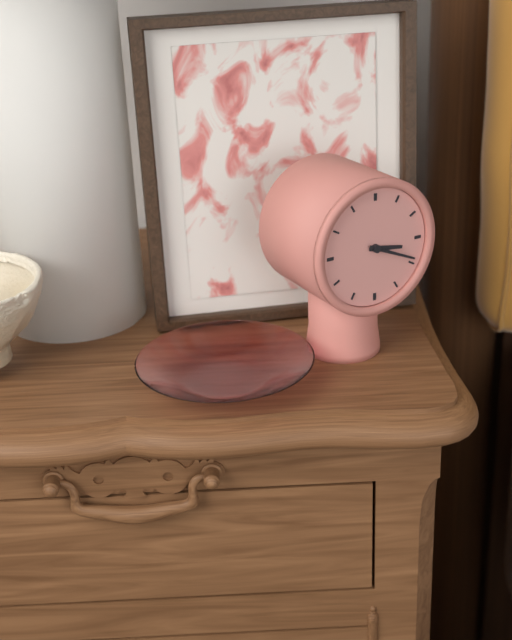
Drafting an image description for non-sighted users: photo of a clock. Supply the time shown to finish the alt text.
3:19
